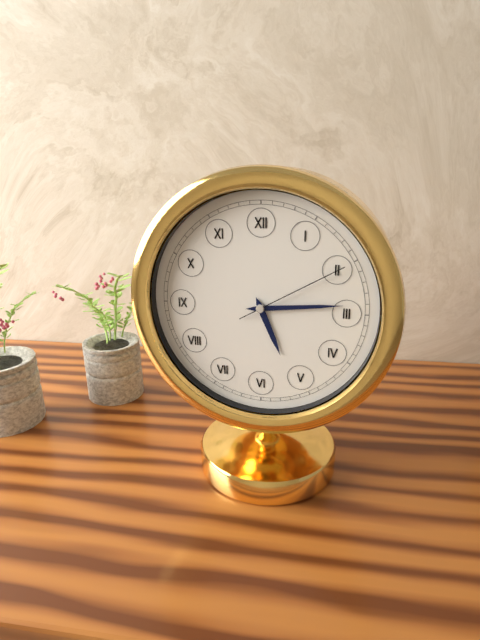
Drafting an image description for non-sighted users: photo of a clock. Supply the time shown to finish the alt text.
5:14:10
